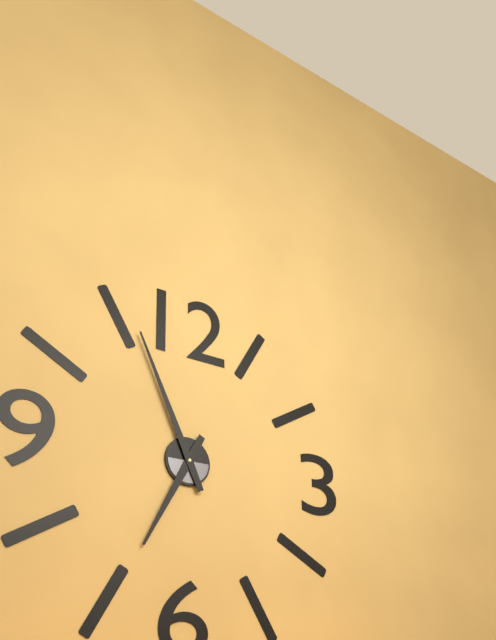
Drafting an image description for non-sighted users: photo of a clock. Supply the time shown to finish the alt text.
6:56
